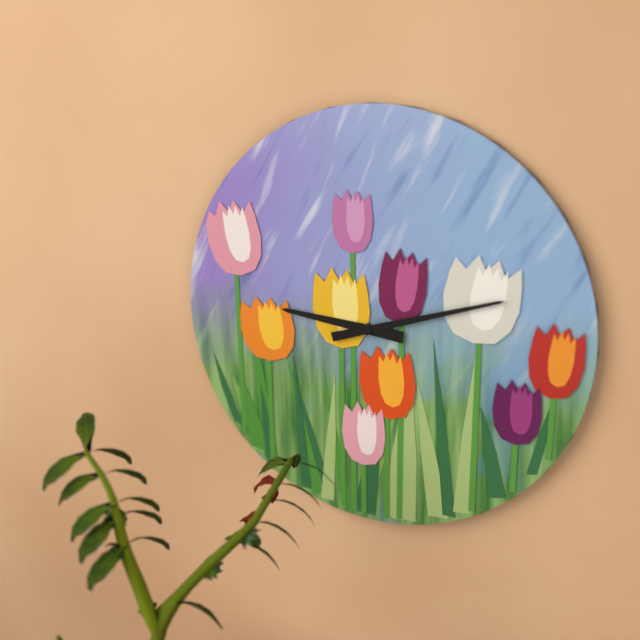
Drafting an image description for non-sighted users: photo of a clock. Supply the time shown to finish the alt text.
9:12
